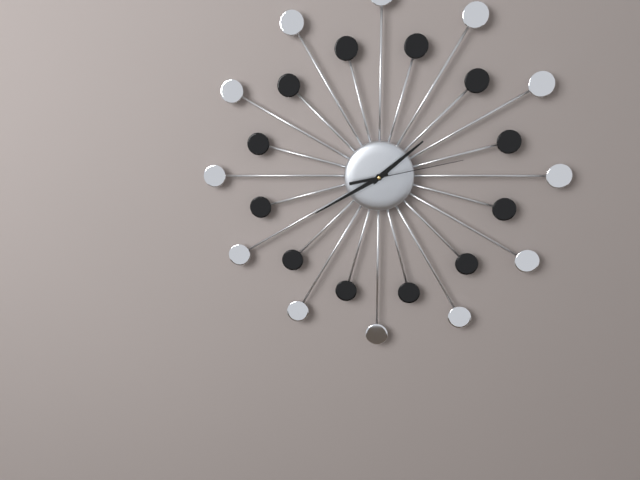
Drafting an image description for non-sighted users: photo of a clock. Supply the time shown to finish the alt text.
1:40:13
